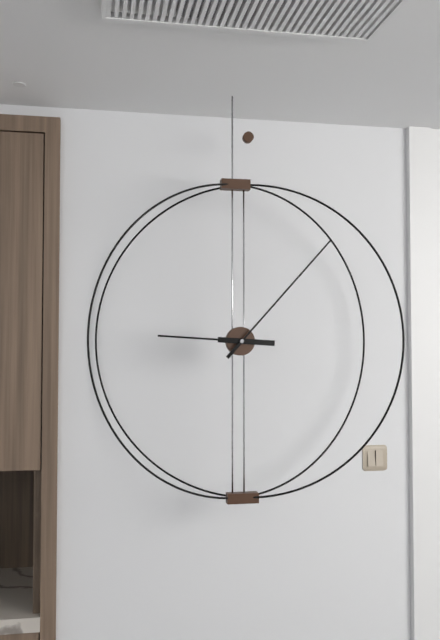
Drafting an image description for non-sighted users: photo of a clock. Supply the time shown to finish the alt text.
9:07
